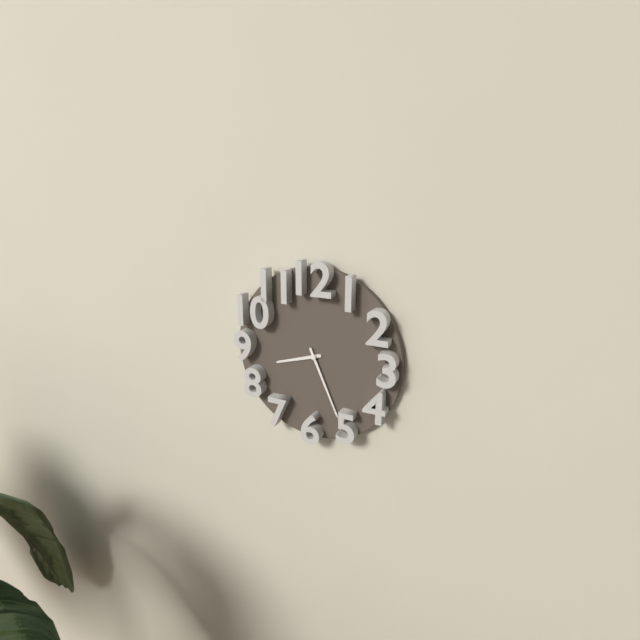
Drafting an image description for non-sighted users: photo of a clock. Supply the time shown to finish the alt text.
8:26
